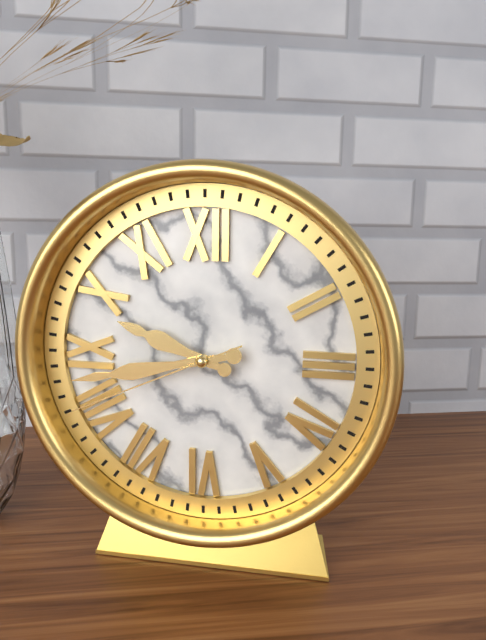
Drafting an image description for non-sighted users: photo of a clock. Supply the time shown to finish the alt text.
9:43:41
